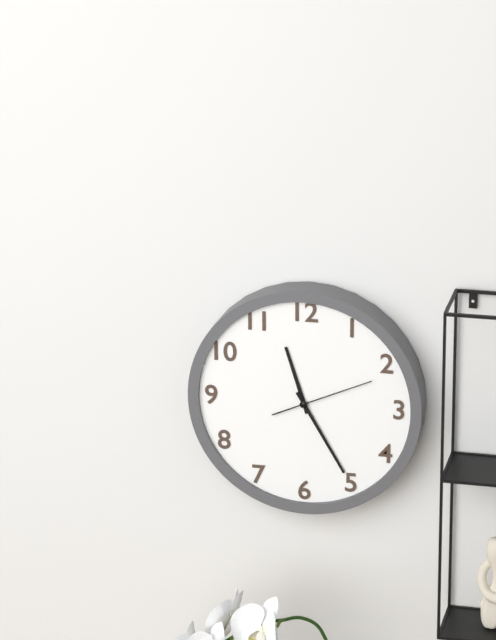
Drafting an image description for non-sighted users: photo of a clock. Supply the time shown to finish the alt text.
11:25:11
